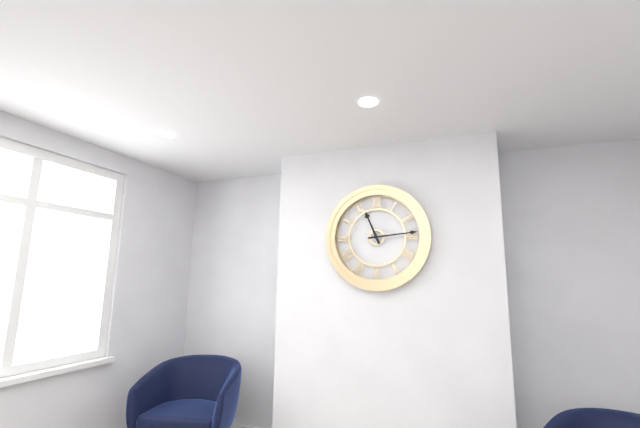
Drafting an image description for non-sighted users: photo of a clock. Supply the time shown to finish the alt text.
11:14
